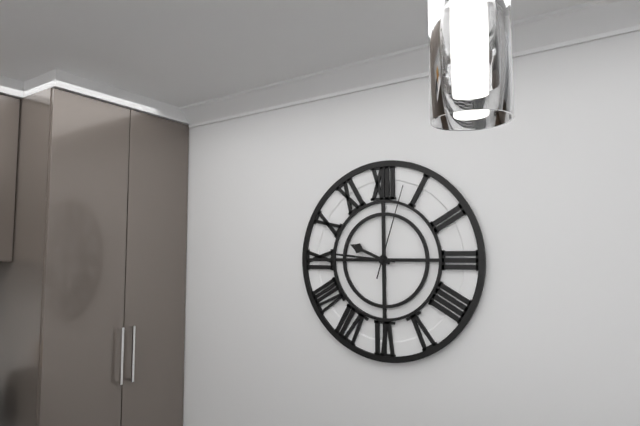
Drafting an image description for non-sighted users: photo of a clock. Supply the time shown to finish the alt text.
9:46:03
